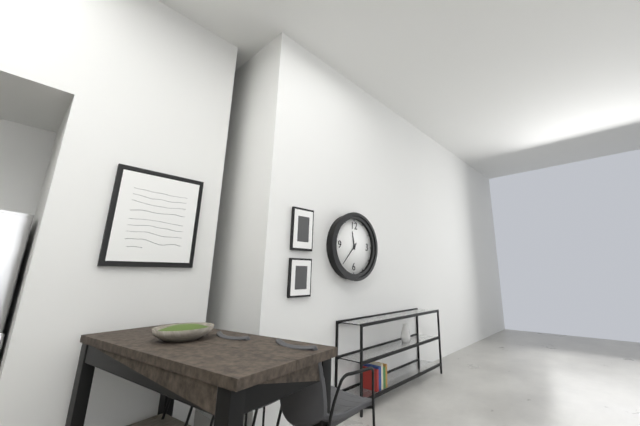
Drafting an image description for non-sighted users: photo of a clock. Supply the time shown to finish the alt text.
11:37
